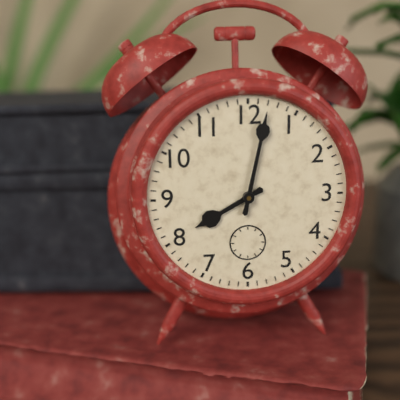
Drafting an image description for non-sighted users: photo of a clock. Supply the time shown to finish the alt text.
8:02
